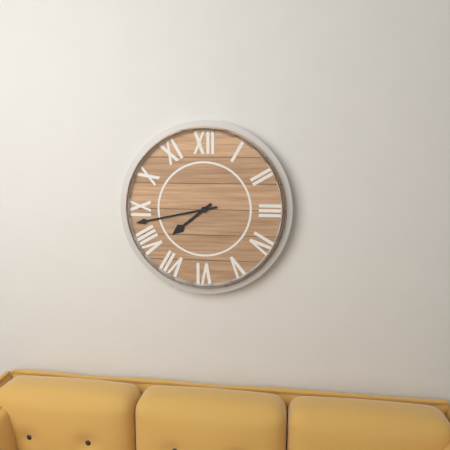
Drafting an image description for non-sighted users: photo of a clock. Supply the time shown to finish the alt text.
7:43
